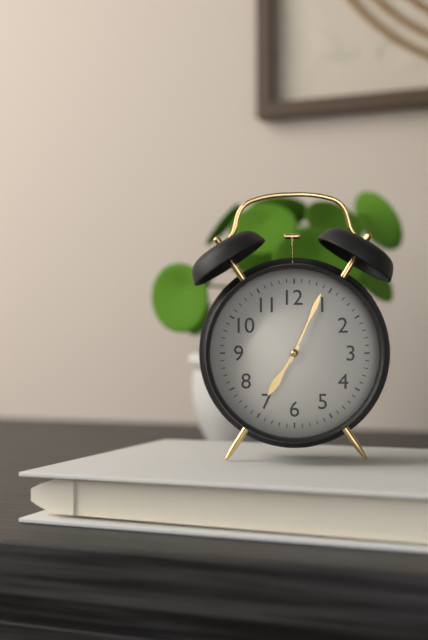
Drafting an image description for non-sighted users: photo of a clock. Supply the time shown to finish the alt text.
7:04
